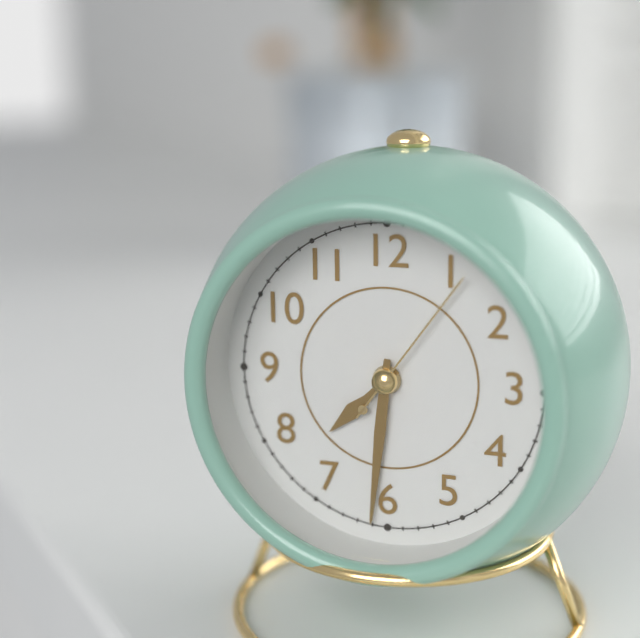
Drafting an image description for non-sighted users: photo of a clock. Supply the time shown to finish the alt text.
7:31:06
